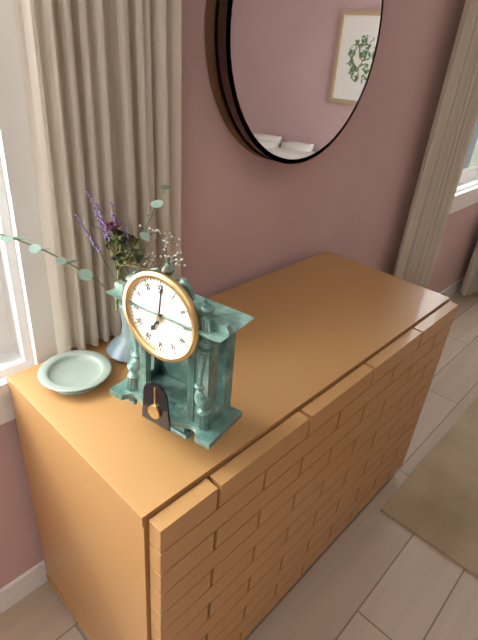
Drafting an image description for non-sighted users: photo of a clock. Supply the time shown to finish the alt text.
7:01
